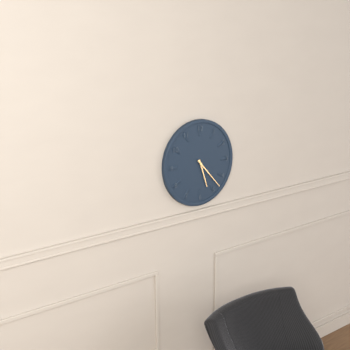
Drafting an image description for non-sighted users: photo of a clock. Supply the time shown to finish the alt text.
5:23
